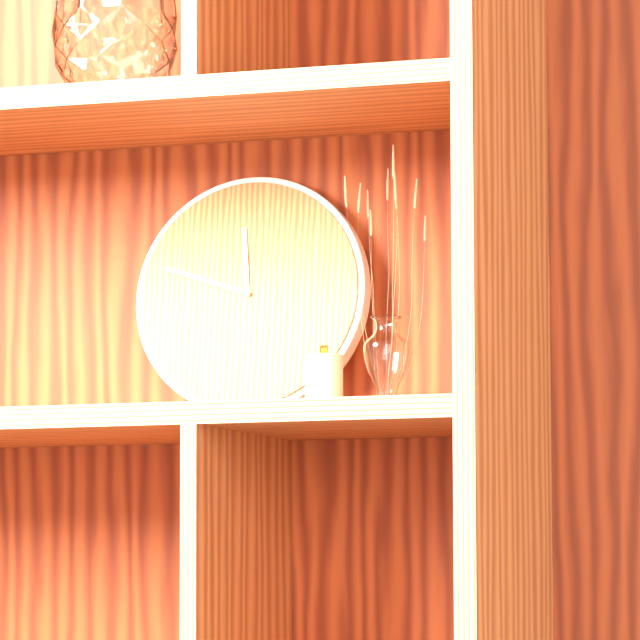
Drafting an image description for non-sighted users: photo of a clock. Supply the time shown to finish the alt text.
11:48
